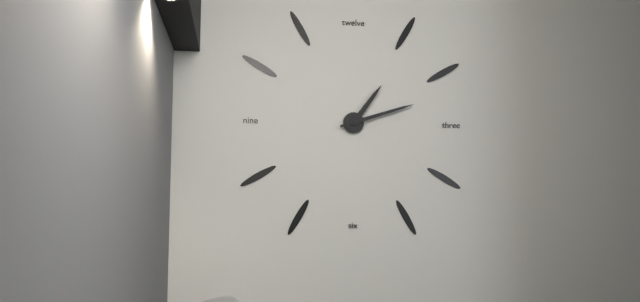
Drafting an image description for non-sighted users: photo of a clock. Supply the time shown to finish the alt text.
1:12
